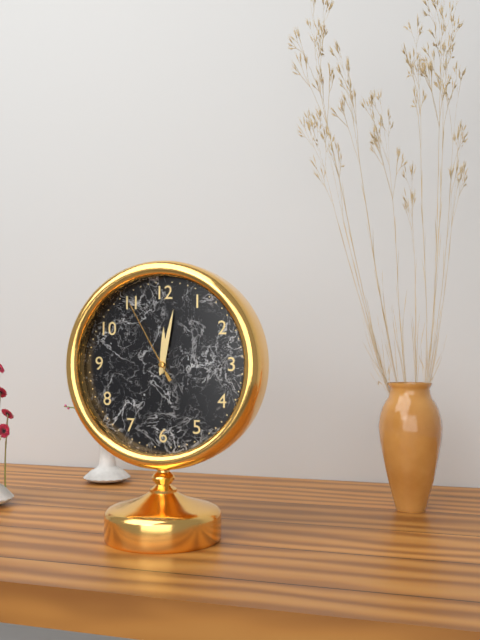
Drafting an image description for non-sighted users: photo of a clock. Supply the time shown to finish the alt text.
12:02:55
